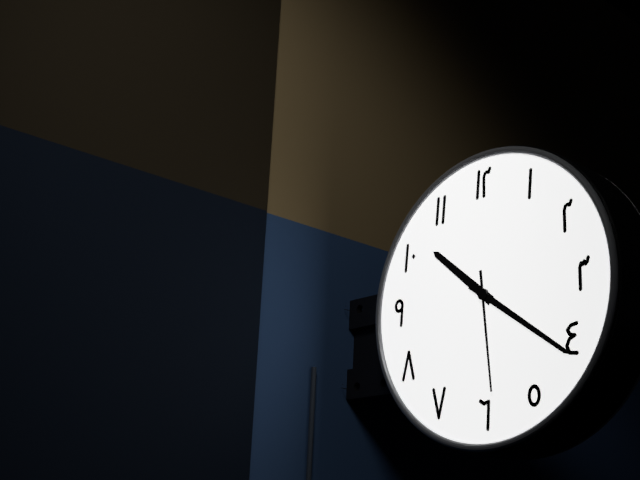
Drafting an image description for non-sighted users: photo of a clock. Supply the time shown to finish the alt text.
10:21:29
